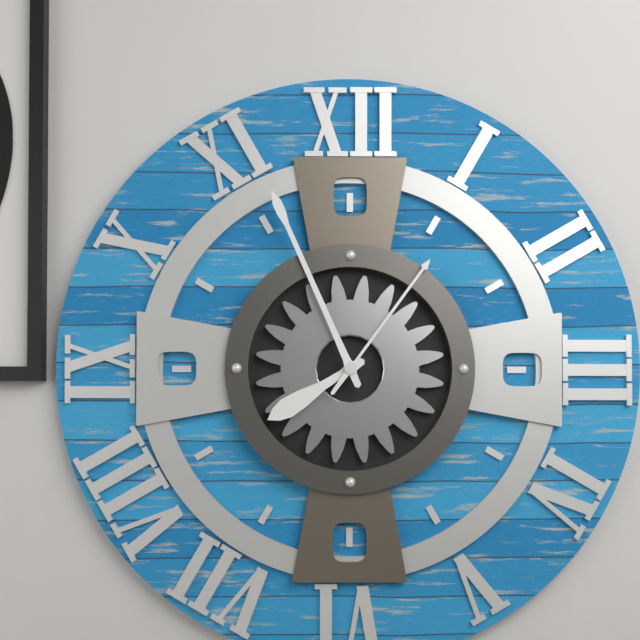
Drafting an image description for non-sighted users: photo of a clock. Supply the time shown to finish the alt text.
7:56:06
